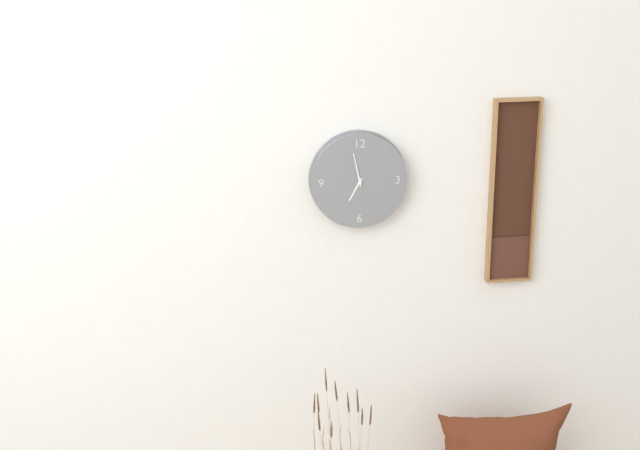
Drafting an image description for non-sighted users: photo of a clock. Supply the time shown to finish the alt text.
6:58
